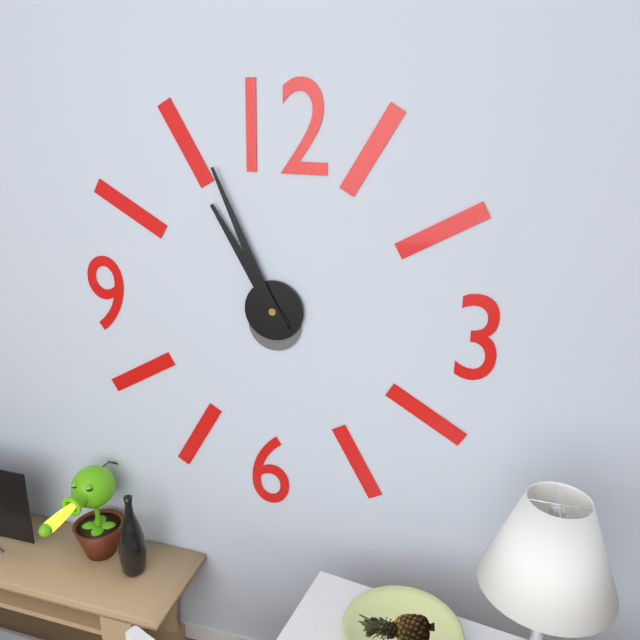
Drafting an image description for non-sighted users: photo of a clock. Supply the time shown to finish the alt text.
10:56
